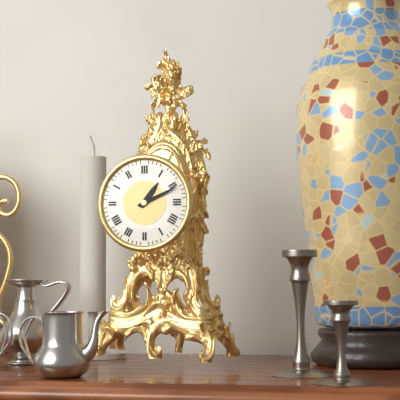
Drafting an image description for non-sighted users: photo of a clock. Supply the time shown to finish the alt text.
1:11
